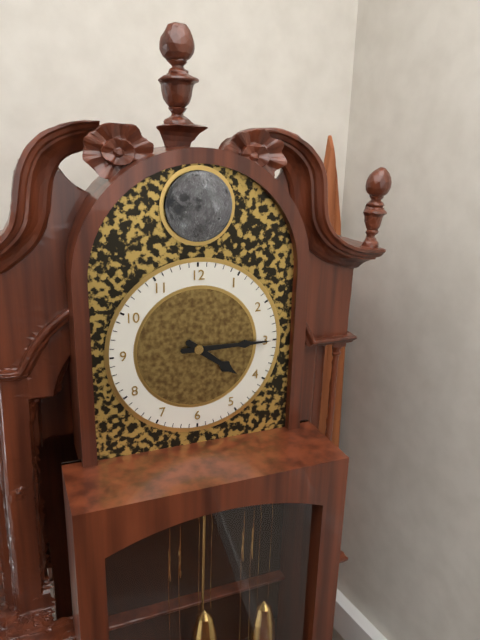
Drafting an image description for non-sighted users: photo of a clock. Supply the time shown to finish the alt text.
4:15
